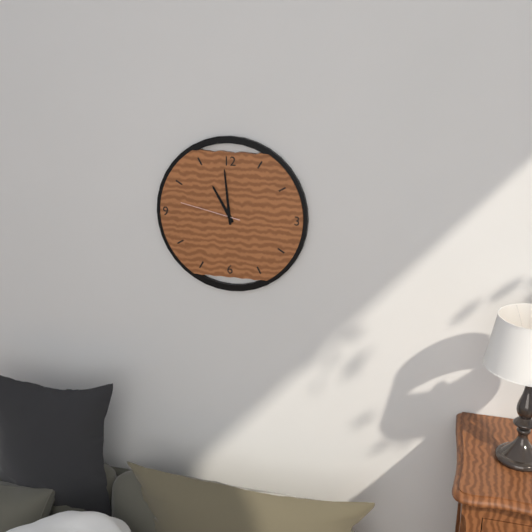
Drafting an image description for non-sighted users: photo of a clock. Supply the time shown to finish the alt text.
10:59:47
